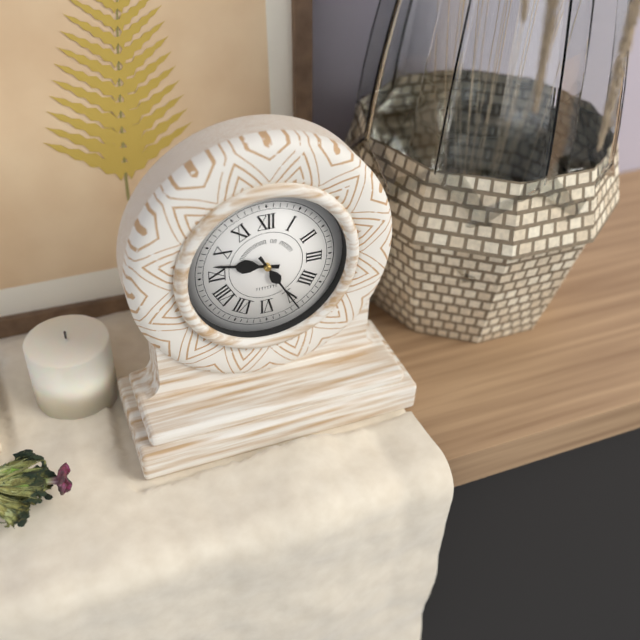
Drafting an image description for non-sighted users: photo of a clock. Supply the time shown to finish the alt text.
9:25
